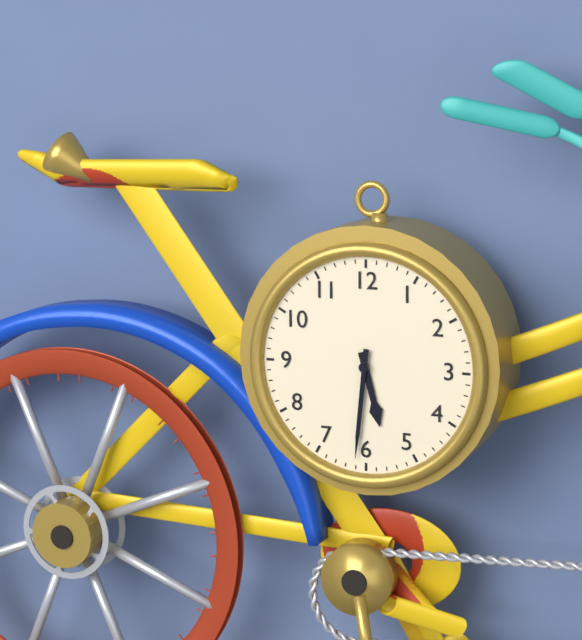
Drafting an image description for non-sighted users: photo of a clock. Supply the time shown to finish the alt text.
5:31
